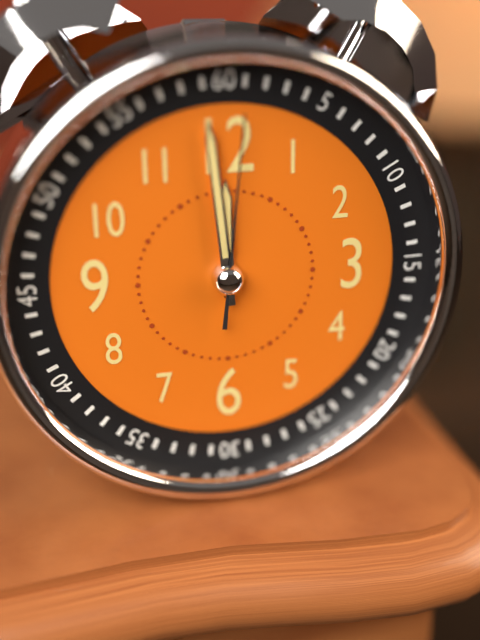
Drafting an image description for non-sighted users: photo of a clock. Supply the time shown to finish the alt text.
11:59:01
